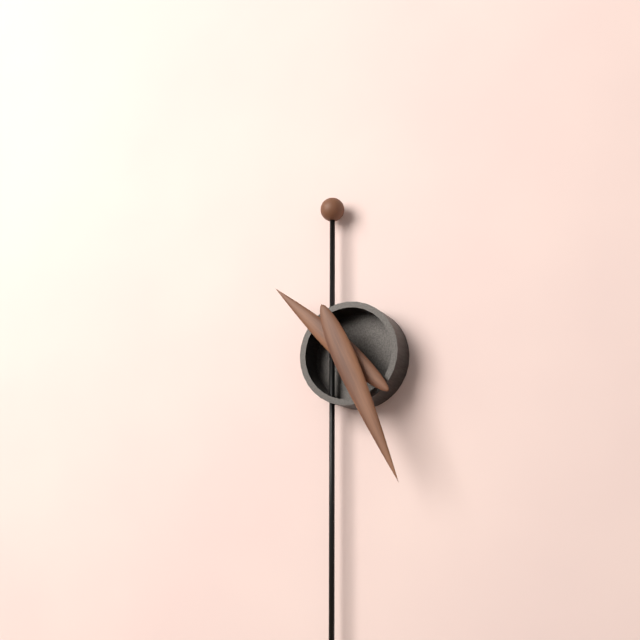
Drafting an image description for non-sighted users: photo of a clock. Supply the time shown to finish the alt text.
10:26
